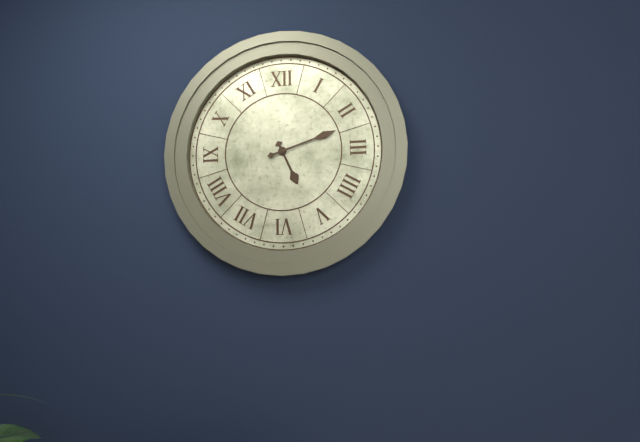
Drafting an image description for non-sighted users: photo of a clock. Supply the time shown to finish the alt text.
5:12
